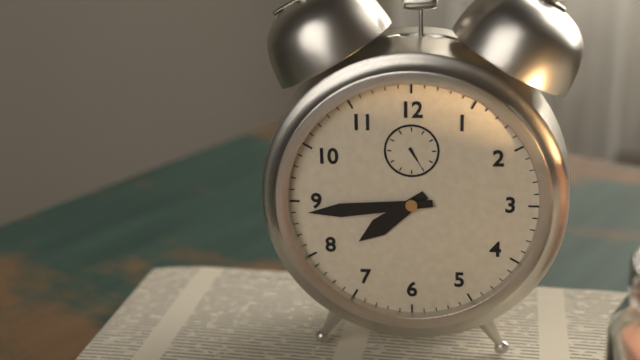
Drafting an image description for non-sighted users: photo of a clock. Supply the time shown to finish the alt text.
7:44
